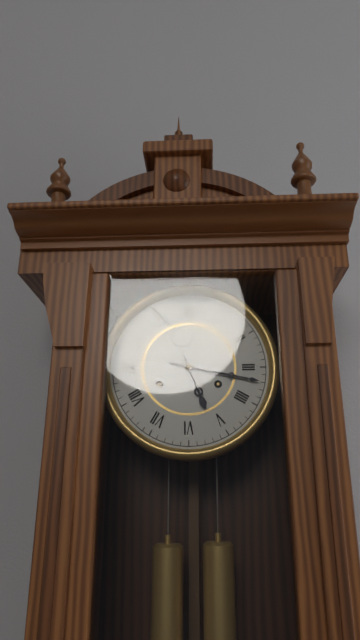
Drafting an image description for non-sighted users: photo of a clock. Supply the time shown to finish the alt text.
5:17
